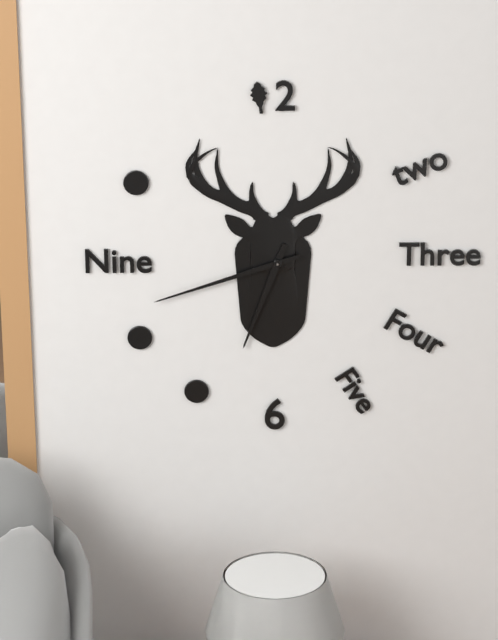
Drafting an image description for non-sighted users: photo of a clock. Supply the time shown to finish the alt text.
6:42
